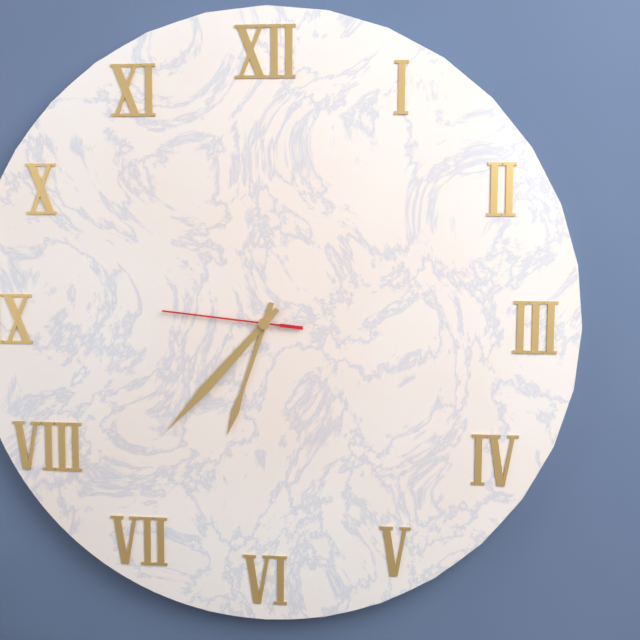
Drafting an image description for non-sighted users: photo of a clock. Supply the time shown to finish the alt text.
6:37:46
